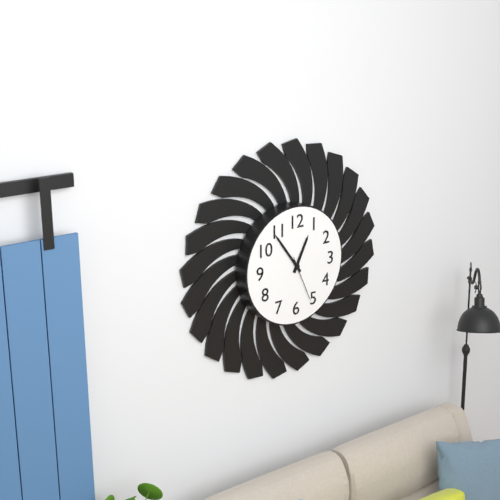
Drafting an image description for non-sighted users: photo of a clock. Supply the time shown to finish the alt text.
12:54:26
